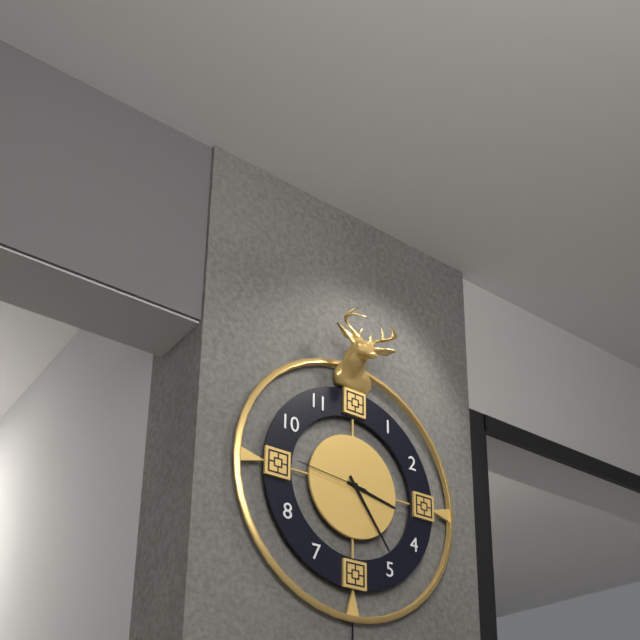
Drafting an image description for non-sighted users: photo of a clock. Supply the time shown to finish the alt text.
3:24:46
